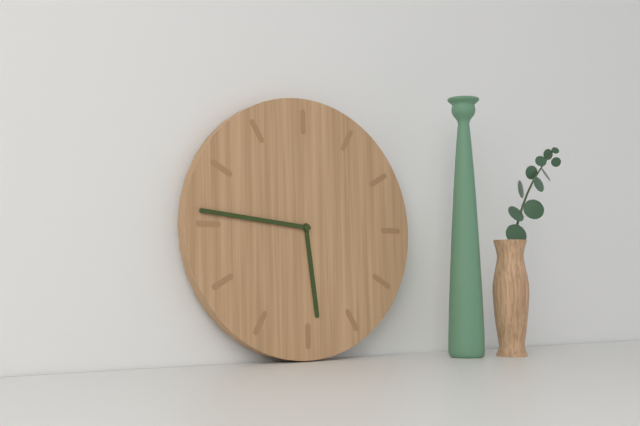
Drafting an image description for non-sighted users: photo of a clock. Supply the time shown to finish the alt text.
5:46
